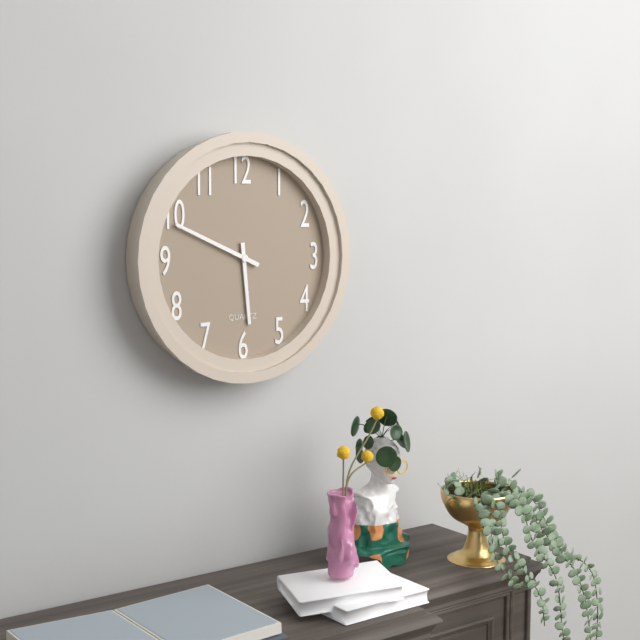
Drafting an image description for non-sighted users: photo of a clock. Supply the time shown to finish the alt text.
5:49
